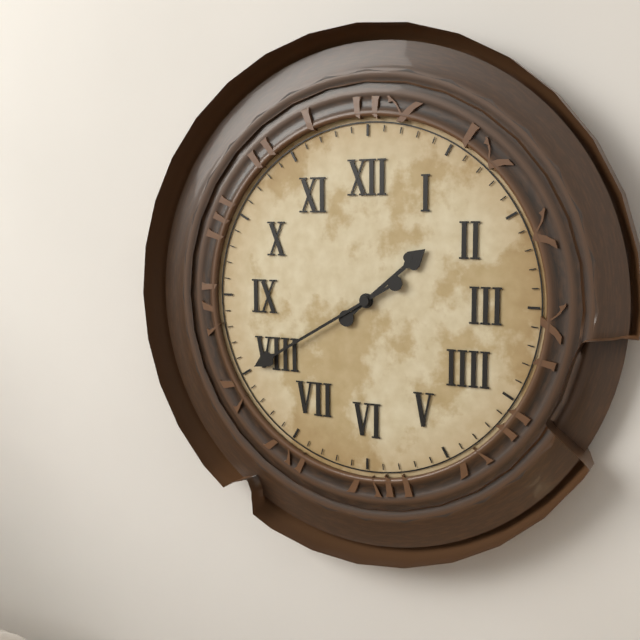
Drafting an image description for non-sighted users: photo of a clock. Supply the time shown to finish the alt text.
1:40
